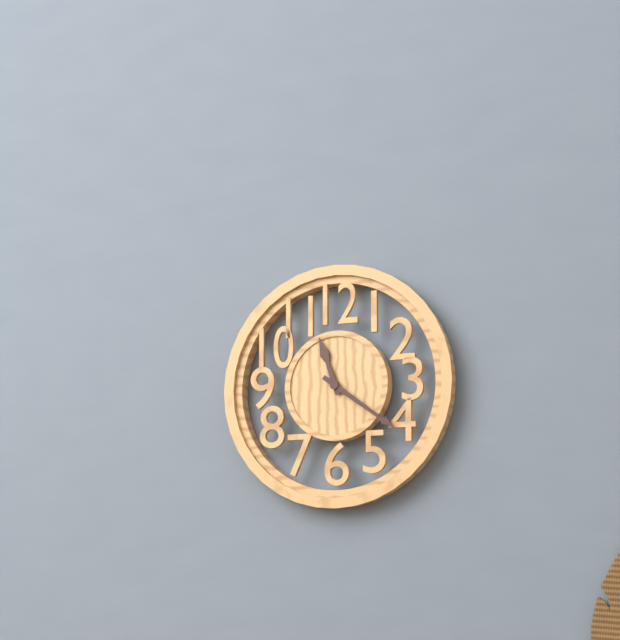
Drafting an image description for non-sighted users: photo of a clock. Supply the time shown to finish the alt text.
11:21
